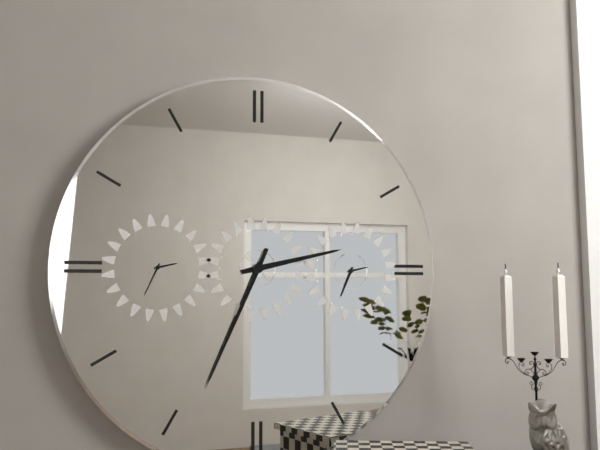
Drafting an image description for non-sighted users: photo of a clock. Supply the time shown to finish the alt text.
2:34
